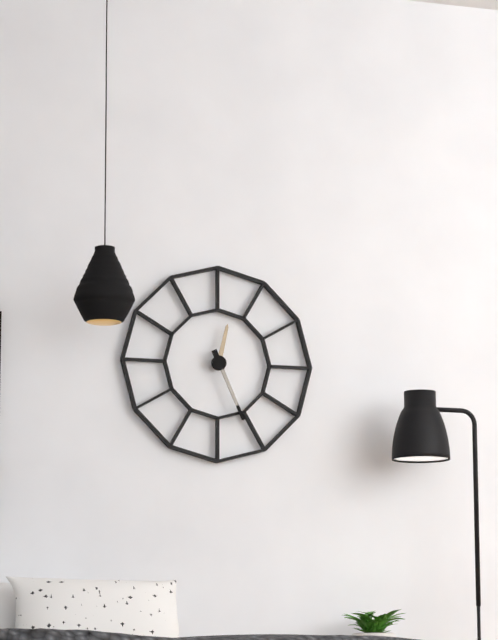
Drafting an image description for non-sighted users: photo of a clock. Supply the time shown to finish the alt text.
12:26
